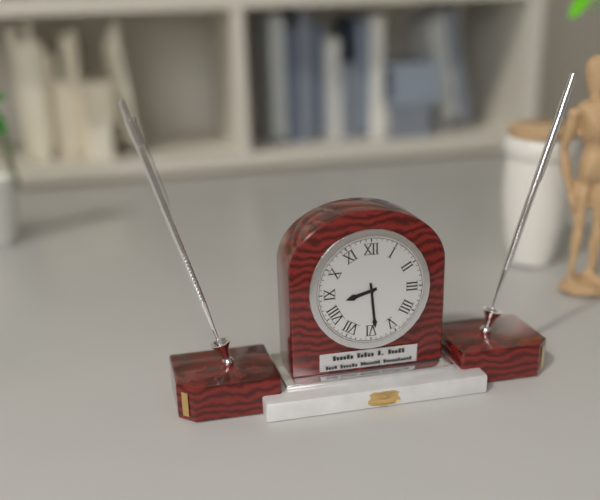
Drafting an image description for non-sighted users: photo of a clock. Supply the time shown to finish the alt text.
8:29
